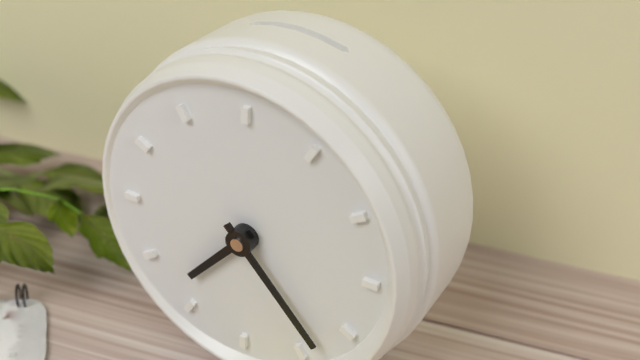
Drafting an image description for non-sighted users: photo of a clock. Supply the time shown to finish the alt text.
7:23
